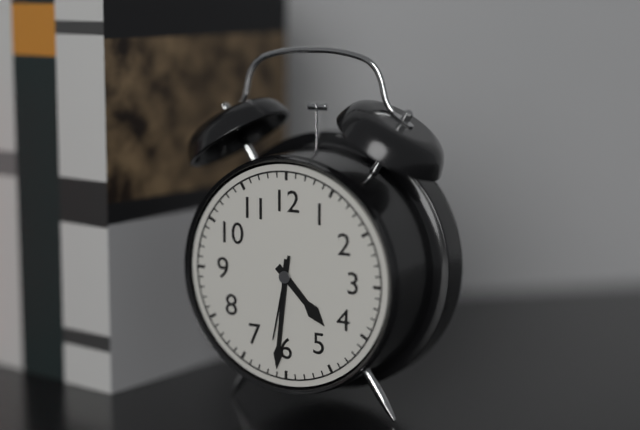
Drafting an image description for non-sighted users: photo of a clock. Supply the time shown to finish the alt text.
4:31:32
